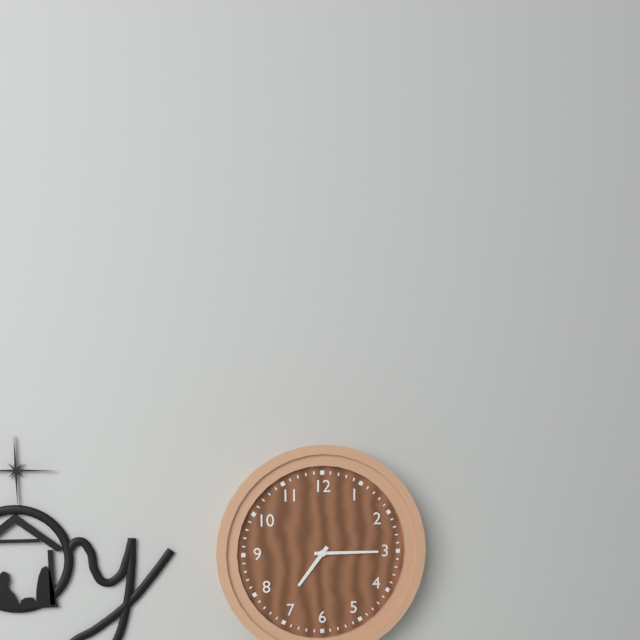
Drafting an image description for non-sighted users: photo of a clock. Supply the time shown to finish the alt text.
7:15
